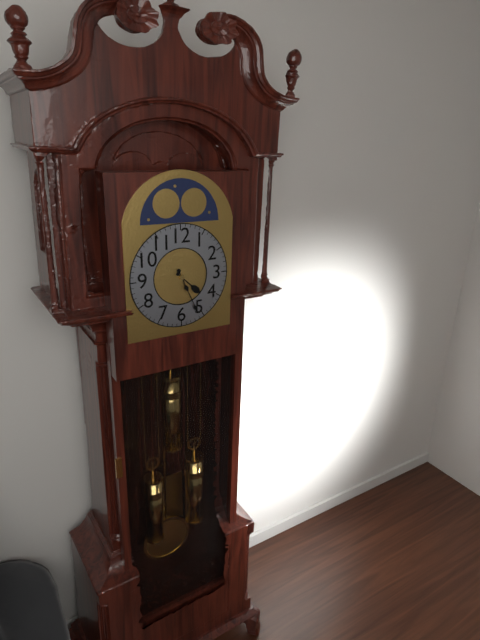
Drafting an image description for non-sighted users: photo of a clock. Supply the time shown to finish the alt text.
4:26
